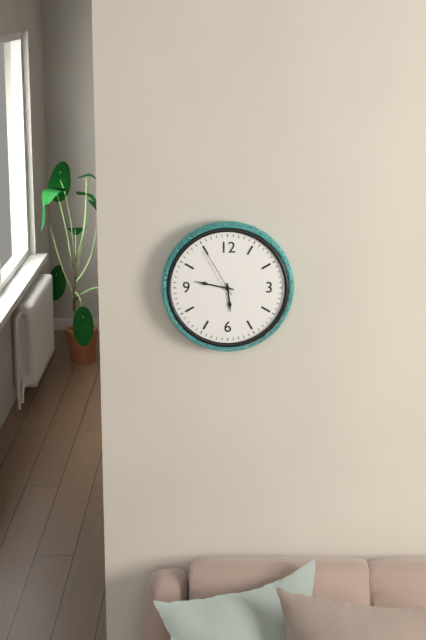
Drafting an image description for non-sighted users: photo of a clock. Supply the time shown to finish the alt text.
5:47:55
